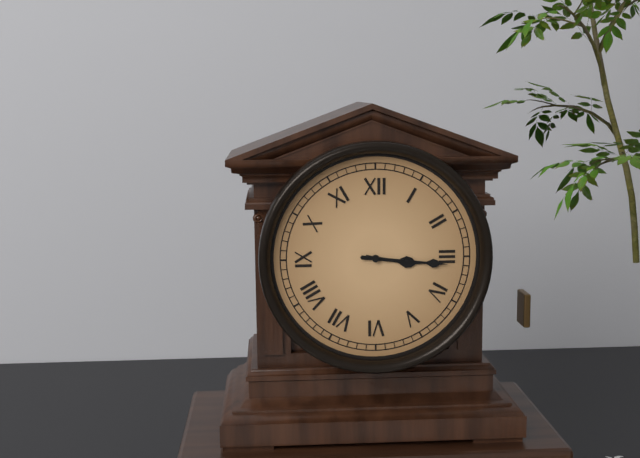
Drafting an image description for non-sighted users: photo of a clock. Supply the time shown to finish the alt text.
3:16
